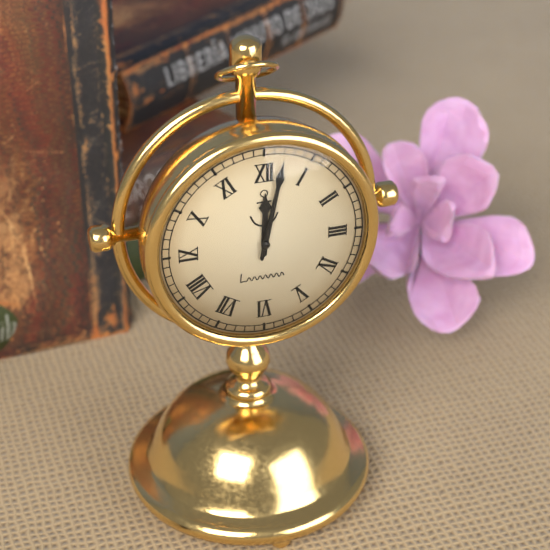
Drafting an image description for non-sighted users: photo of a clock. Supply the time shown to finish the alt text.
12:02
